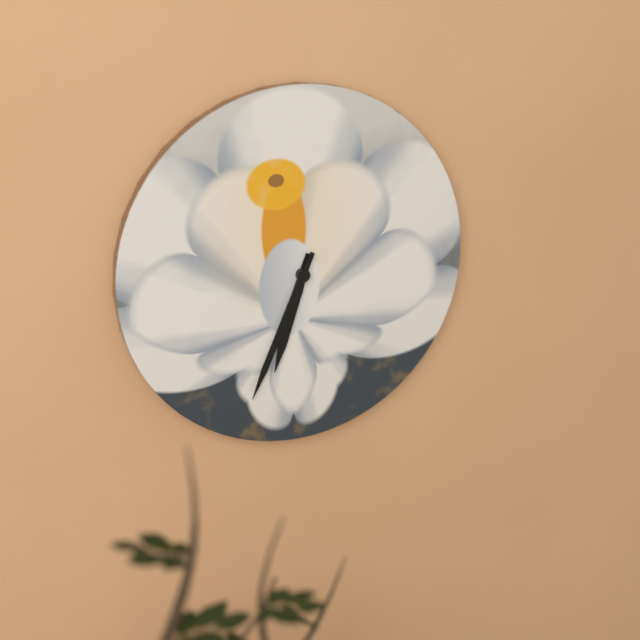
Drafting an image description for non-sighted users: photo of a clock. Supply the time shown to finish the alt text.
6:34
